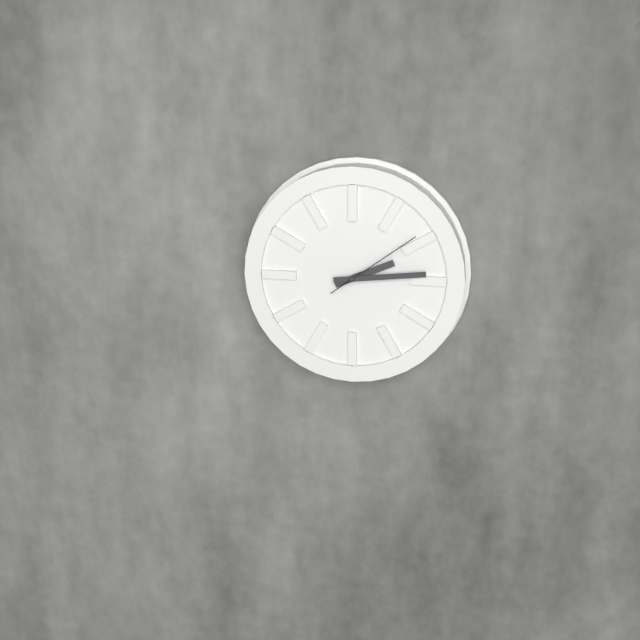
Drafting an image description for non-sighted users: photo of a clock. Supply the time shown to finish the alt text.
2:14:09
